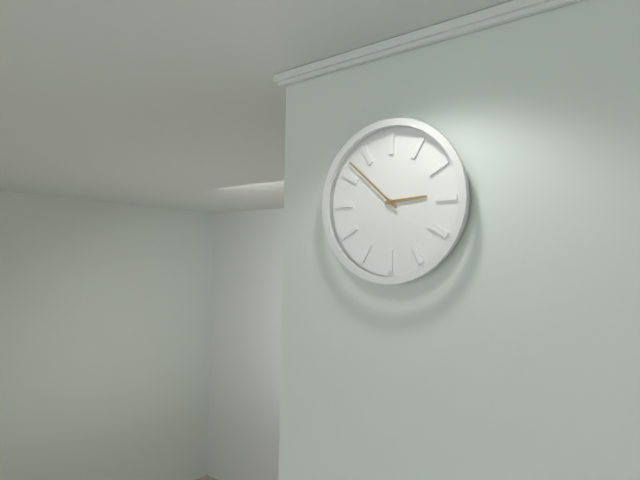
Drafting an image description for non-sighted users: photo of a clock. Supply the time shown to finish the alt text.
2:52
